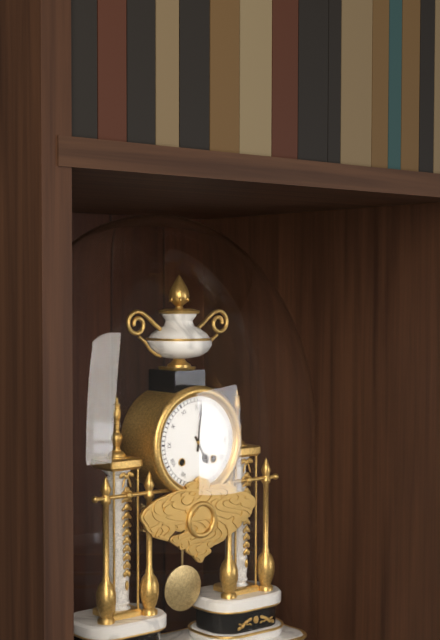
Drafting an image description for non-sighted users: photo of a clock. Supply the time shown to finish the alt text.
5:01
